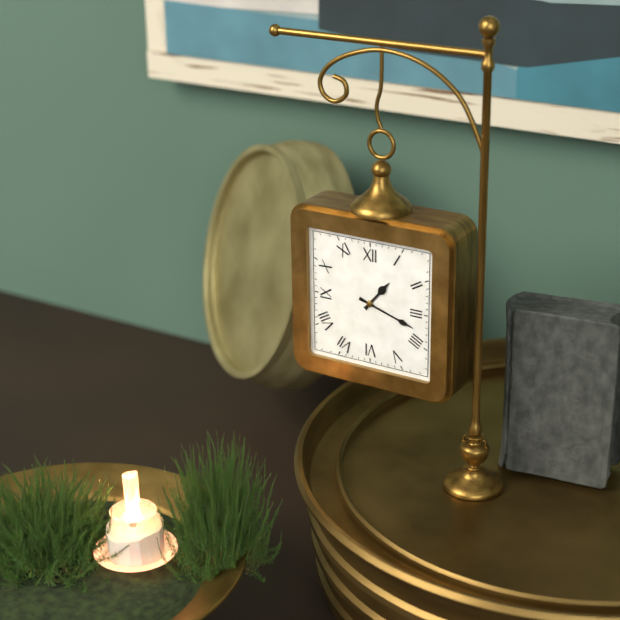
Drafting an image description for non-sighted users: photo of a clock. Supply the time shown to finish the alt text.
1:18
